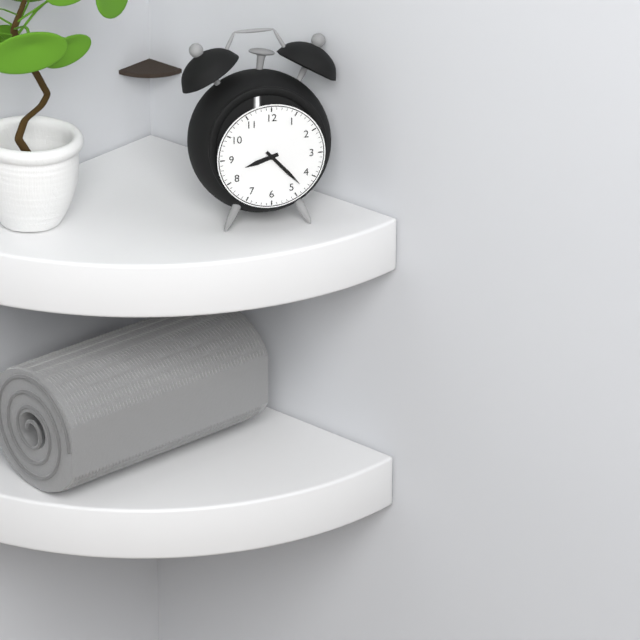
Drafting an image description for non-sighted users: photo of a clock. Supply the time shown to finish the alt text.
8:23
